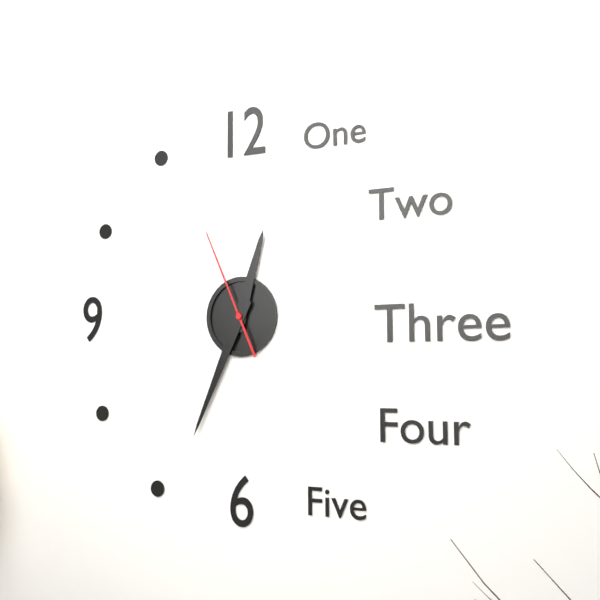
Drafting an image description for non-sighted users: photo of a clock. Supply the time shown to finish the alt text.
12:34:56
